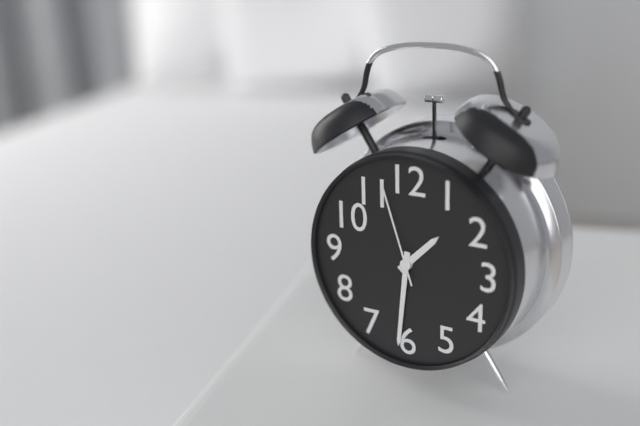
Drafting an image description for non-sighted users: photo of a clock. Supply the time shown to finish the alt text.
1:31:57
